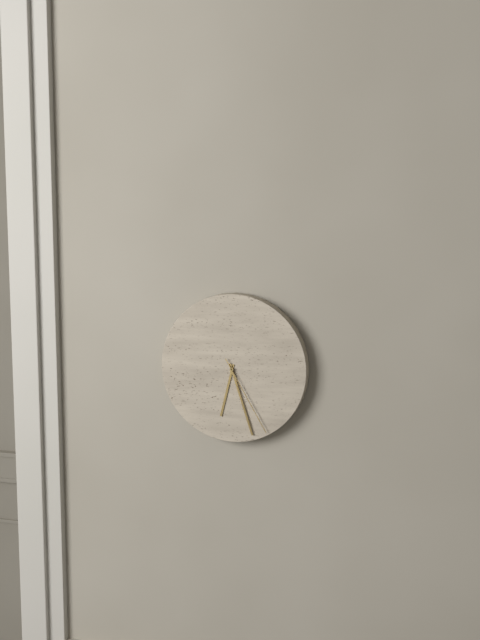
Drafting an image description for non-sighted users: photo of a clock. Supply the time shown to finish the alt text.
6:27:25
